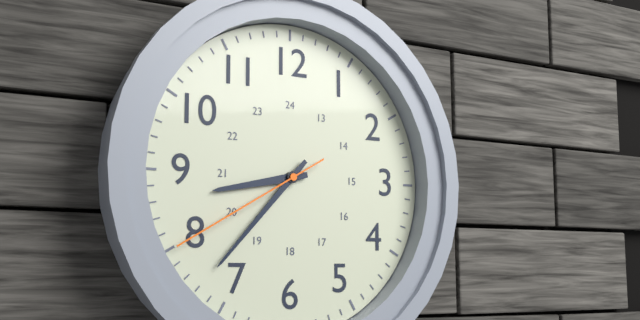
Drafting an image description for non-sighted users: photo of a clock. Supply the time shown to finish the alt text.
8:37:40
